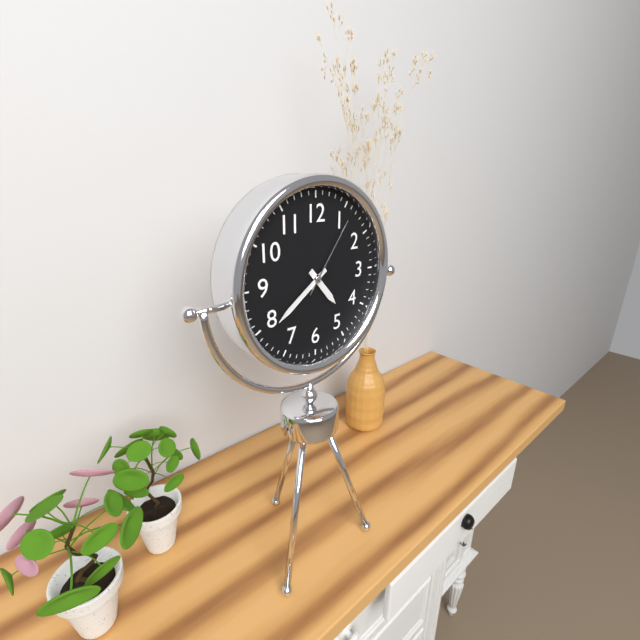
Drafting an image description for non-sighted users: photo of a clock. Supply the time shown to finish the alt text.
4:39:06
